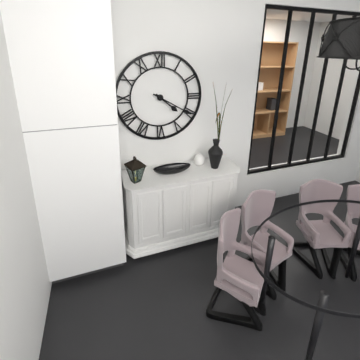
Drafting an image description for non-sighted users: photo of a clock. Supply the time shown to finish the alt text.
4:20
